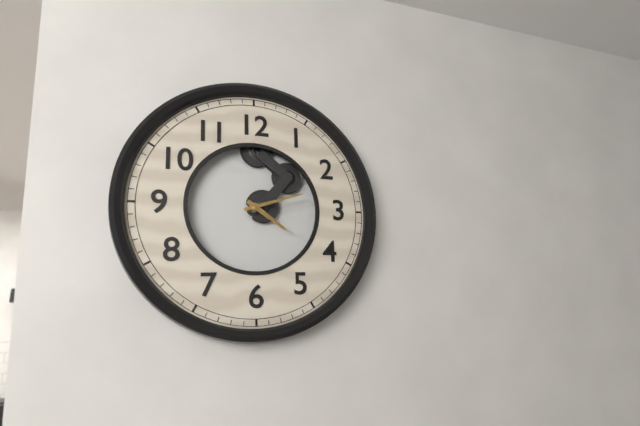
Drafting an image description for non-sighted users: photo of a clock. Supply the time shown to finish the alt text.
4:12
